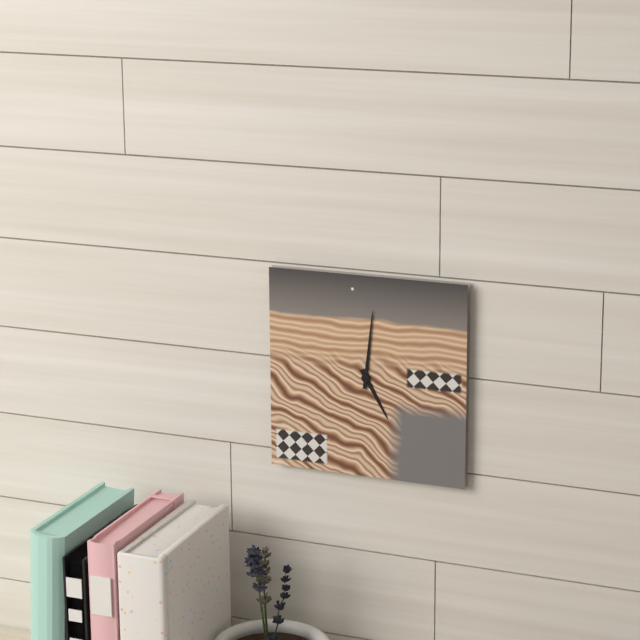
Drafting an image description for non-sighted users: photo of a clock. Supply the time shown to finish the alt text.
5:01
